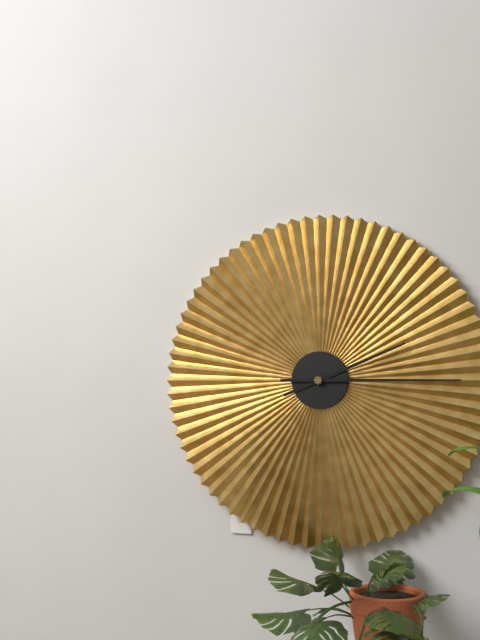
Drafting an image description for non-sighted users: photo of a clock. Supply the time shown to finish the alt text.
2:15
